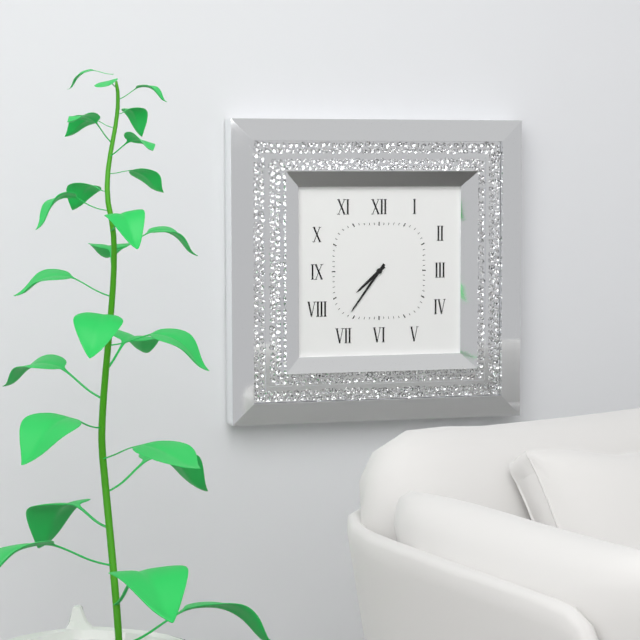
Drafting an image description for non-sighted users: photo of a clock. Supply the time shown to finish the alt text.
7:36
